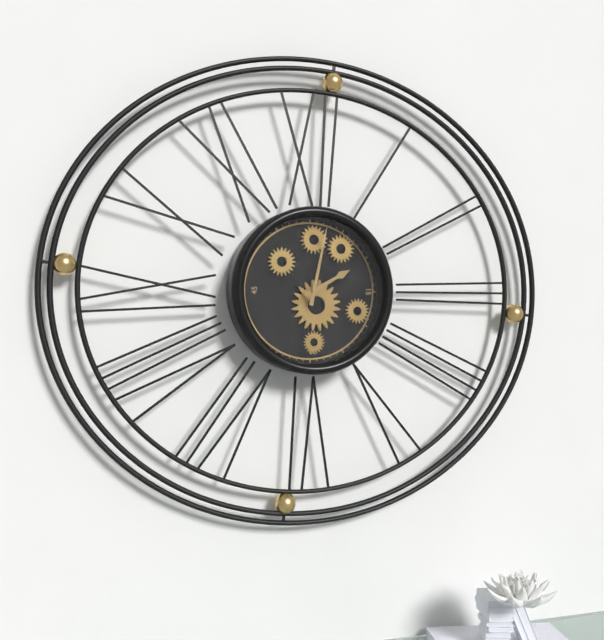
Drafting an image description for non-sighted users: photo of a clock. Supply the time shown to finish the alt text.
2:02
